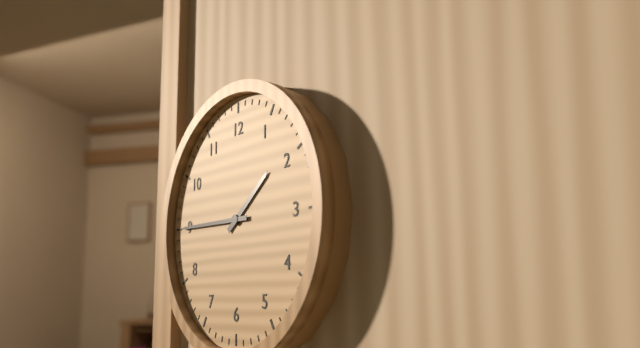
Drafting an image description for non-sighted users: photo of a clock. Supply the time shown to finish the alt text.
1:45
